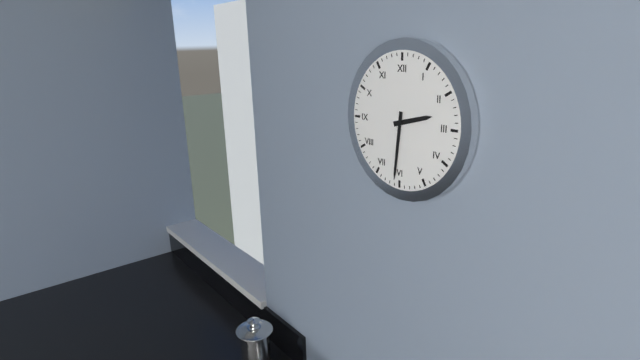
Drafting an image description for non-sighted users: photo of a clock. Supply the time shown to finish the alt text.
2:31
